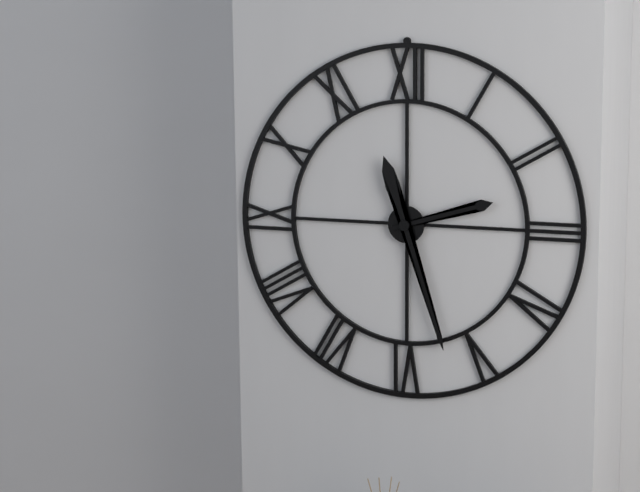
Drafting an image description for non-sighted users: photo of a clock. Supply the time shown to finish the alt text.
2:27
